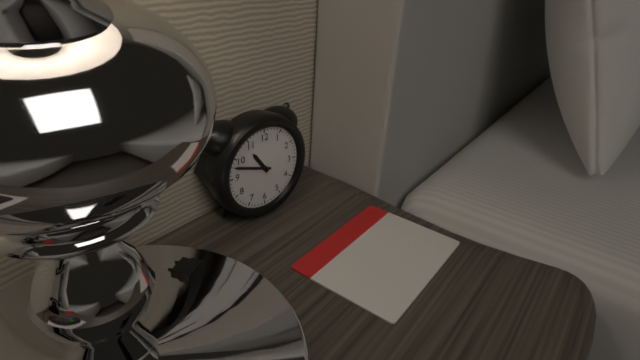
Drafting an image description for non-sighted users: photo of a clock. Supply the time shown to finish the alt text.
10:48
